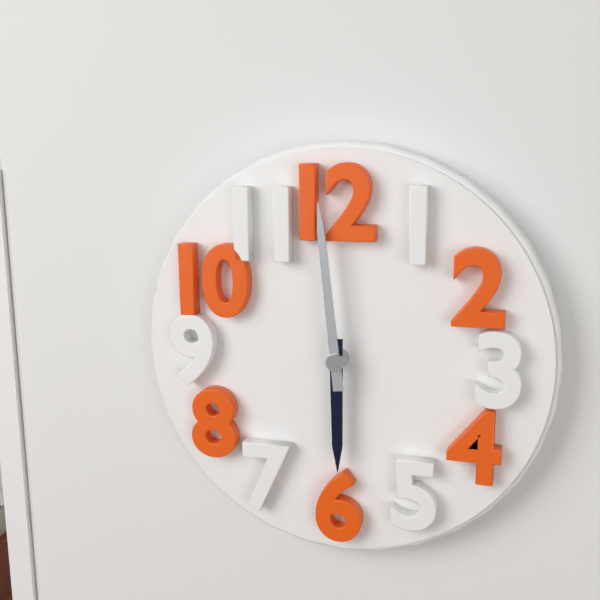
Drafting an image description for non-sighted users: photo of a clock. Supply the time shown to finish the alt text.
5:59
